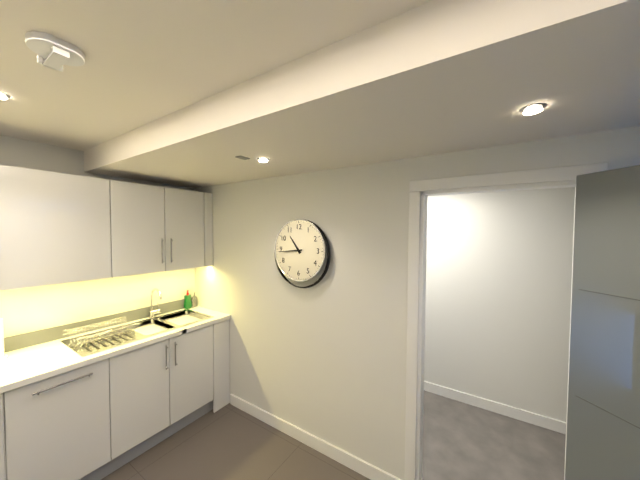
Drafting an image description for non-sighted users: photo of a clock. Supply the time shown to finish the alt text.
10:44
